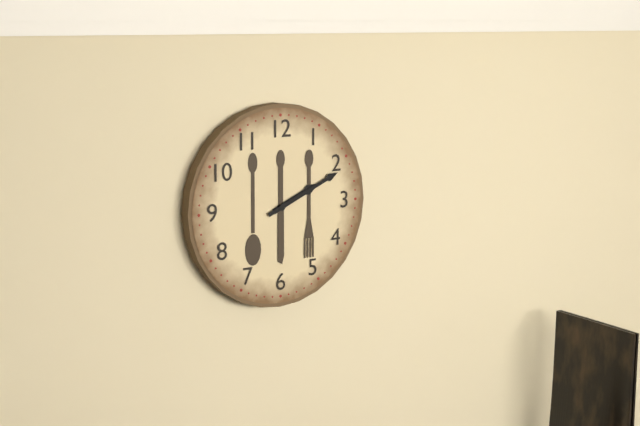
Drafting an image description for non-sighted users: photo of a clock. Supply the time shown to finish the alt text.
2:11
